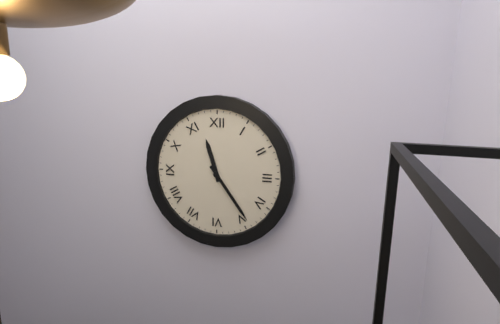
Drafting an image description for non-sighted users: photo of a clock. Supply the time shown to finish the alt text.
11:24
